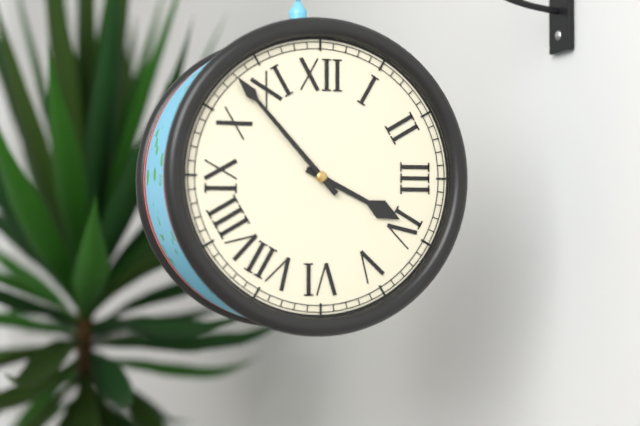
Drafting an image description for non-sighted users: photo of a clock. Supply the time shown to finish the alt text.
3:53
